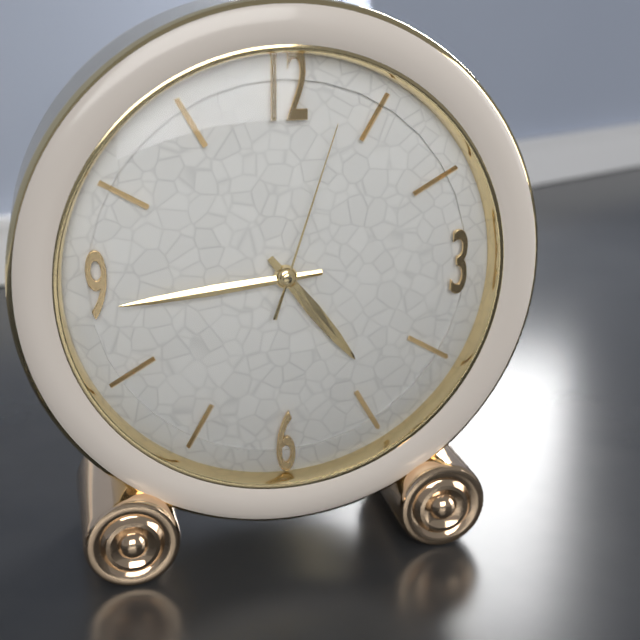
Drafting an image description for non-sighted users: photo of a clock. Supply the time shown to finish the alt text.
4:44:03
